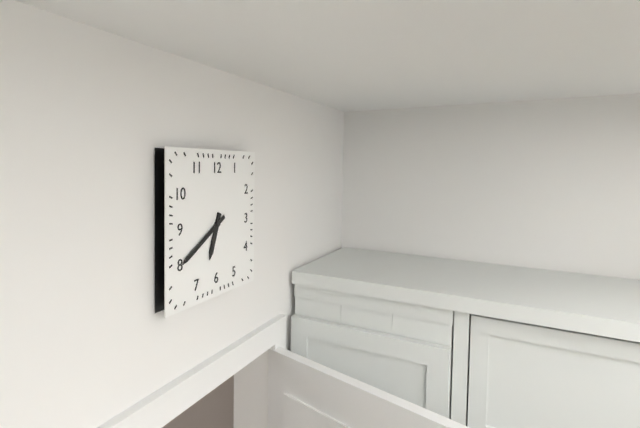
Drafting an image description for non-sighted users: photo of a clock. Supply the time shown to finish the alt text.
6:40
